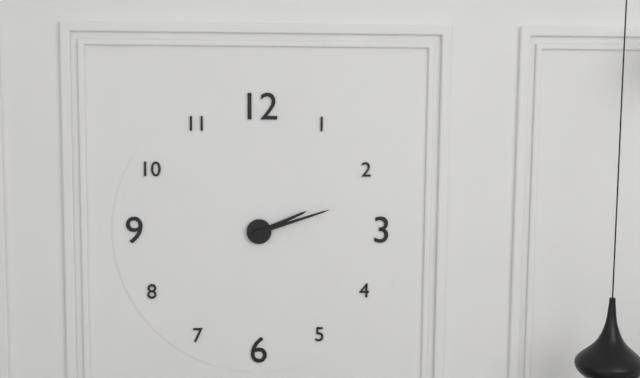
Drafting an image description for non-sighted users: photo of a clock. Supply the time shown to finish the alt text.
2:12
